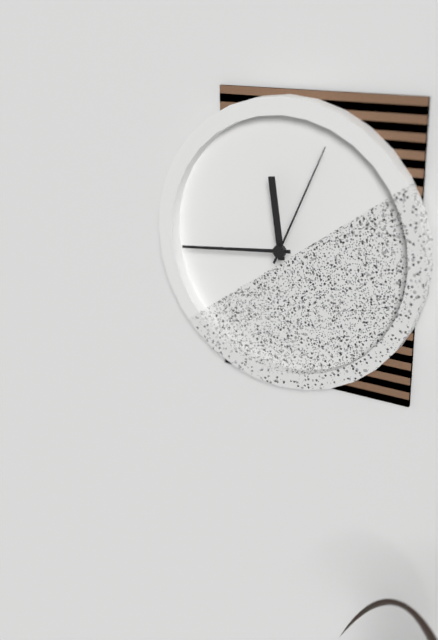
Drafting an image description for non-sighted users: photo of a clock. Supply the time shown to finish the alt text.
11:44:04
